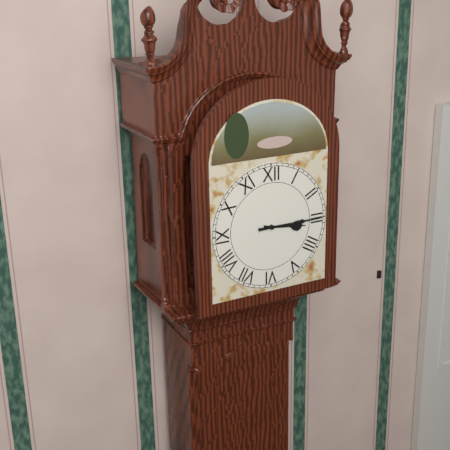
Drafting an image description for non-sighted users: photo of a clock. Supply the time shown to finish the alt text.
3:15
